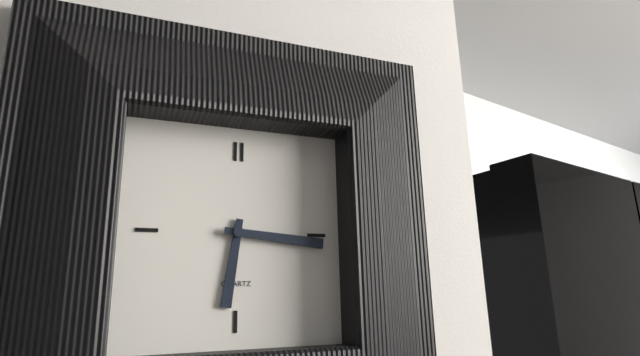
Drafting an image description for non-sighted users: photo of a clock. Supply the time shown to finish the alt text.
6:16
